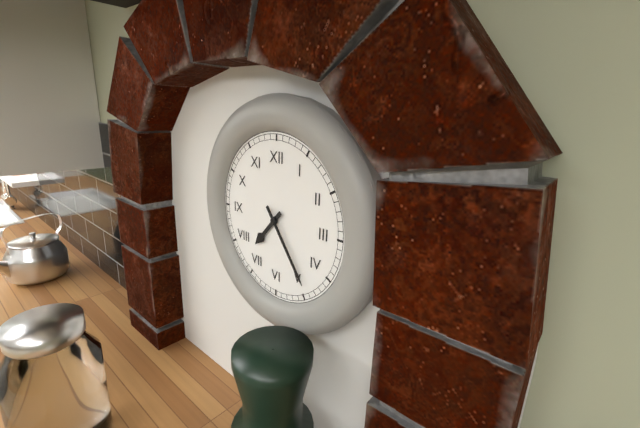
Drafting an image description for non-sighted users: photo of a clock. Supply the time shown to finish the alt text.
7:24
